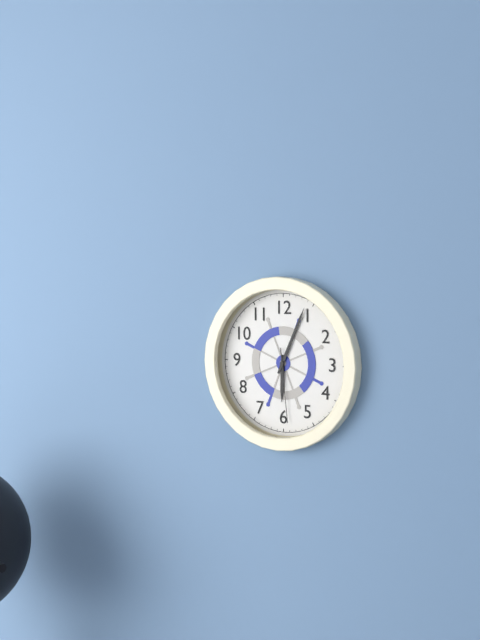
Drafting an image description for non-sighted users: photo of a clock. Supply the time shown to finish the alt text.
6:04:29
